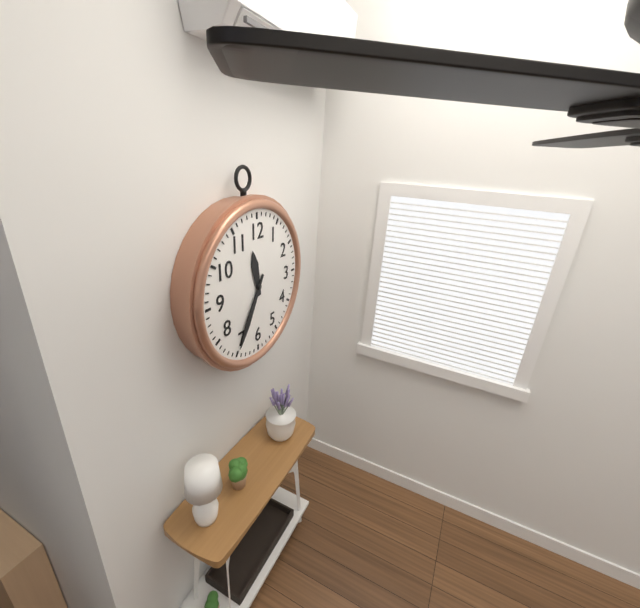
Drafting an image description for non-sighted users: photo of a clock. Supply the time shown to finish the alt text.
11:35
